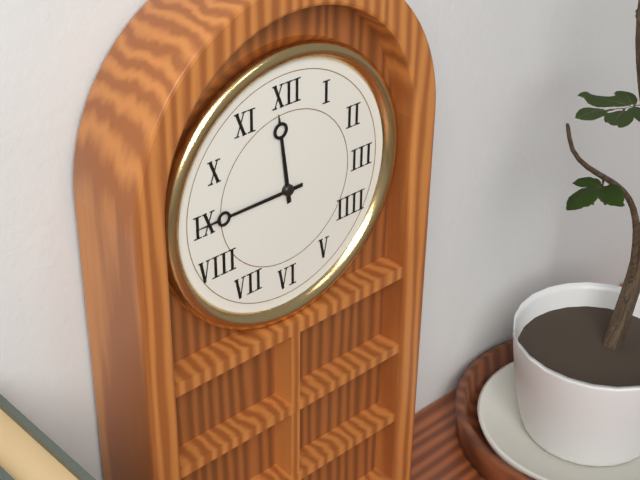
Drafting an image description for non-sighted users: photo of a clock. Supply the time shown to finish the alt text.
11:45
